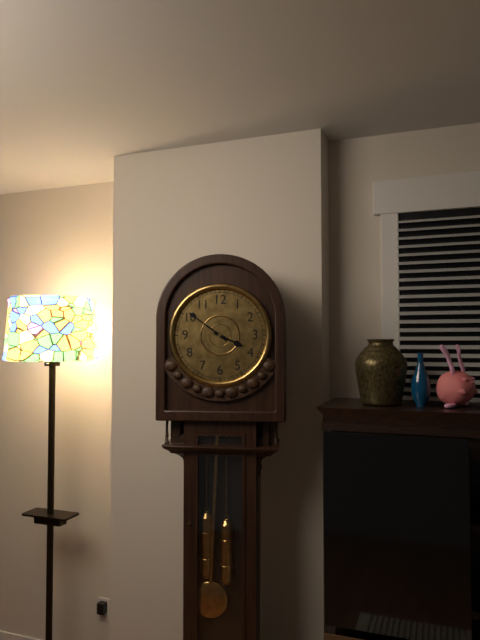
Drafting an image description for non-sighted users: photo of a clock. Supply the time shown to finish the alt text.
3:51
